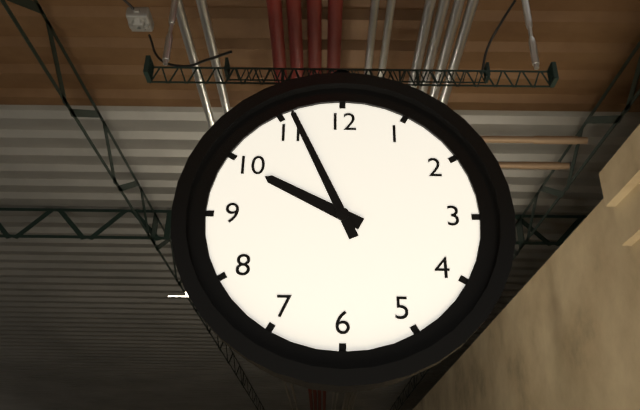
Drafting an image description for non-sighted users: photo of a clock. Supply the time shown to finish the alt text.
9:56
